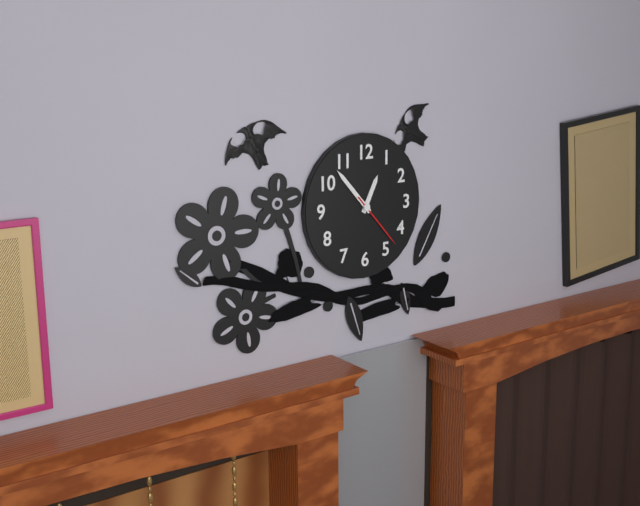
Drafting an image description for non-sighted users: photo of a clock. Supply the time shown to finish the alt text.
12:53:23
